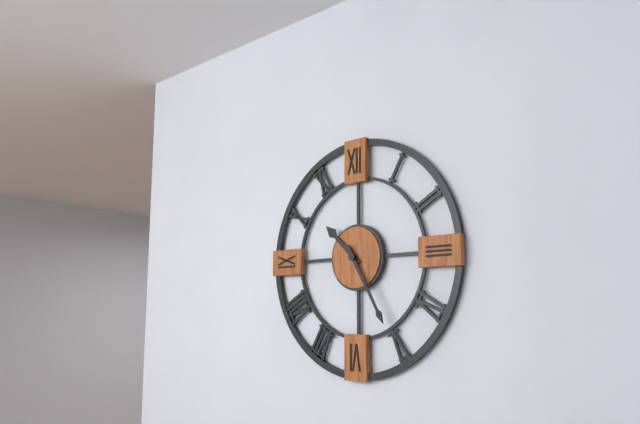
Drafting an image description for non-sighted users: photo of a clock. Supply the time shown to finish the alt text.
10:25
